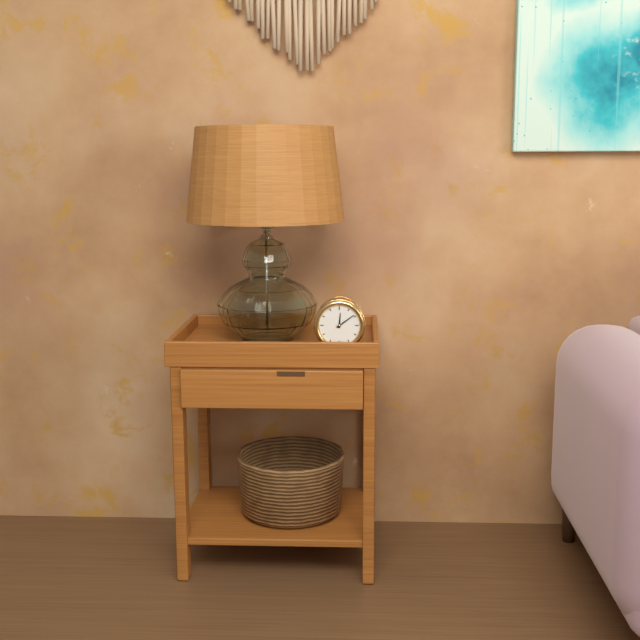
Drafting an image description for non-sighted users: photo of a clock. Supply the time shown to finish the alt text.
12:09
